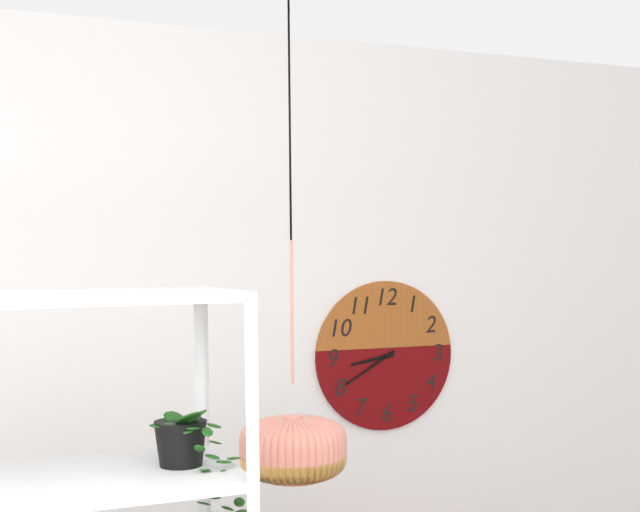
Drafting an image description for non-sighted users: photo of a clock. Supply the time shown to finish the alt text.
8:40
